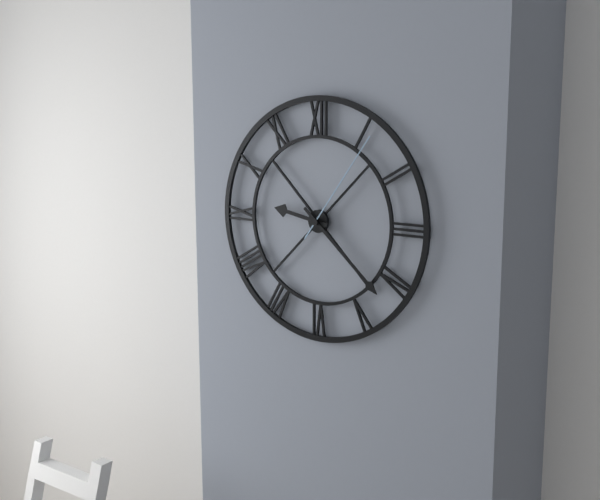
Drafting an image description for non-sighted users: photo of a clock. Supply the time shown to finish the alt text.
9:22:06
